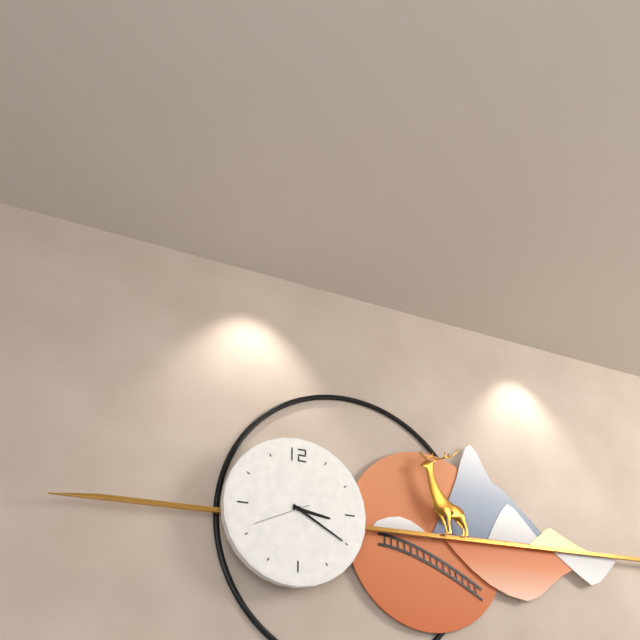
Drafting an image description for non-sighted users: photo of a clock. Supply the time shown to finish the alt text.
3:20:41
